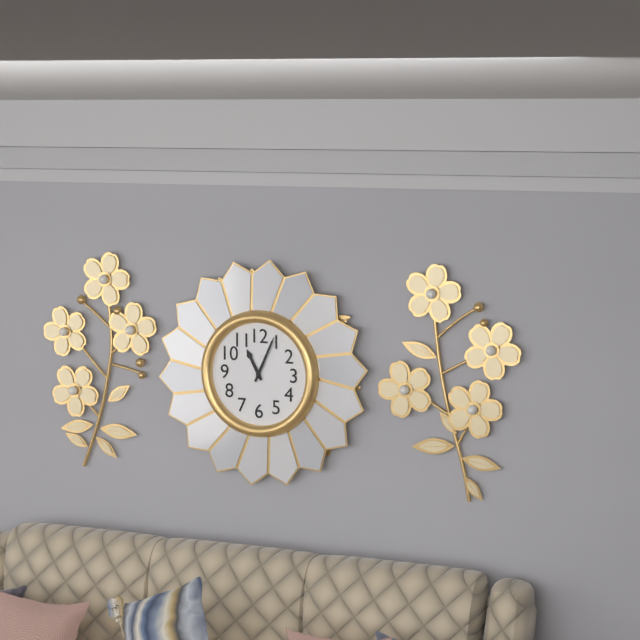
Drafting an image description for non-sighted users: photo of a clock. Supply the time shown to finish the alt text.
11:04
